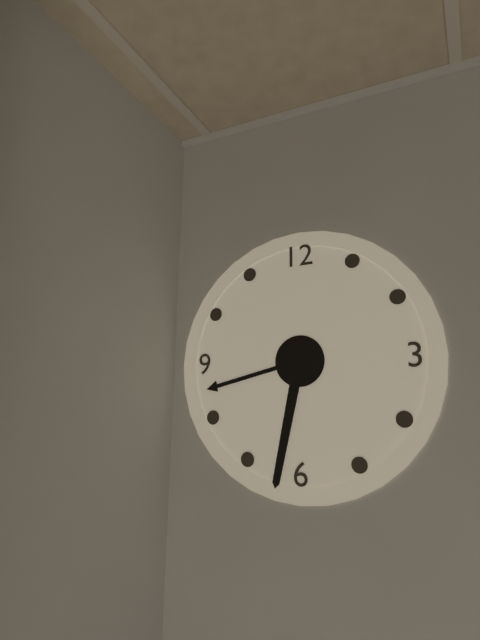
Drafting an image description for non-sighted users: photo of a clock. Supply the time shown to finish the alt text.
8:32
